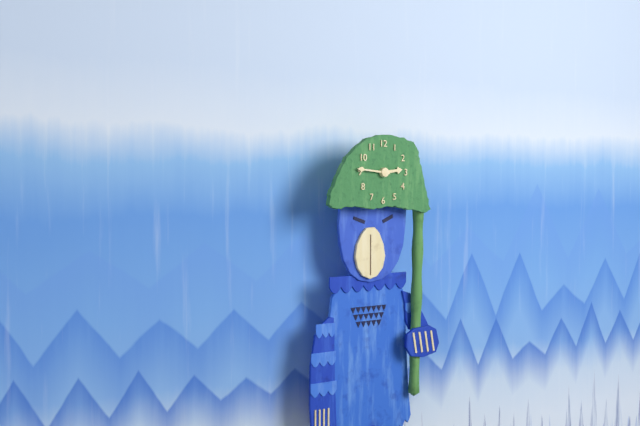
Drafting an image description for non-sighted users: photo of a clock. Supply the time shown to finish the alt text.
2:46
